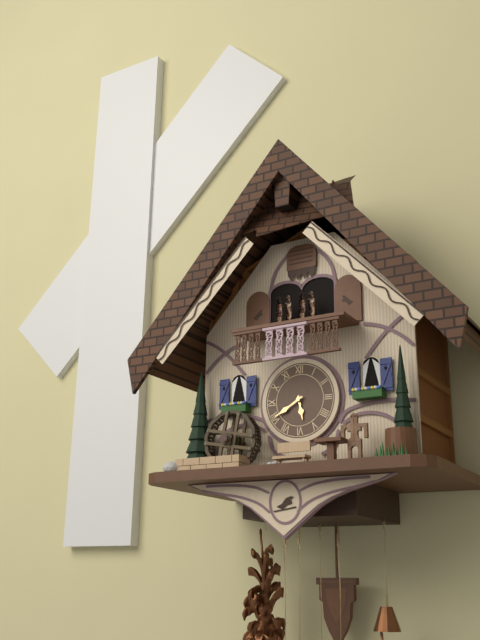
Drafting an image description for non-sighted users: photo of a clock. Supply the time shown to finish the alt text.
5:40
